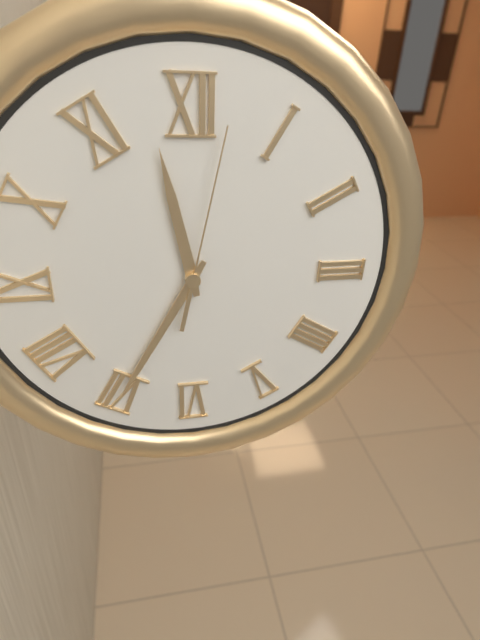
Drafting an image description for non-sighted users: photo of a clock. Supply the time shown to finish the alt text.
11:35:02
